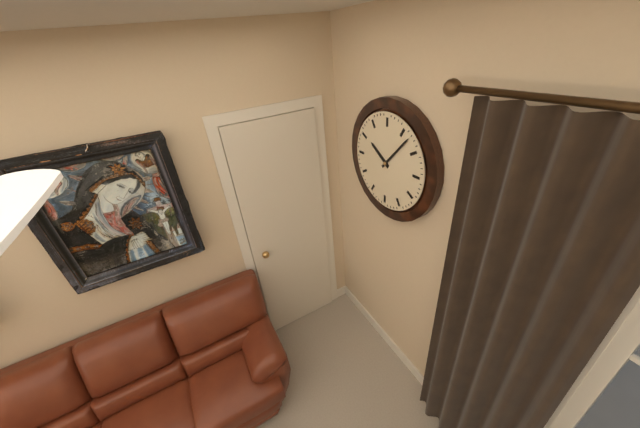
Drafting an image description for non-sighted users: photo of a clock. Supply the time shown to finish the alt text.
10:07
